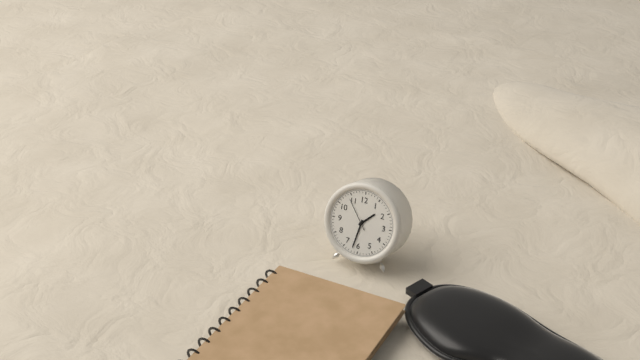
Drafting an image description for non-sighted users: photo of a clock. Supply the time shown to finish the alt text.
1:32
